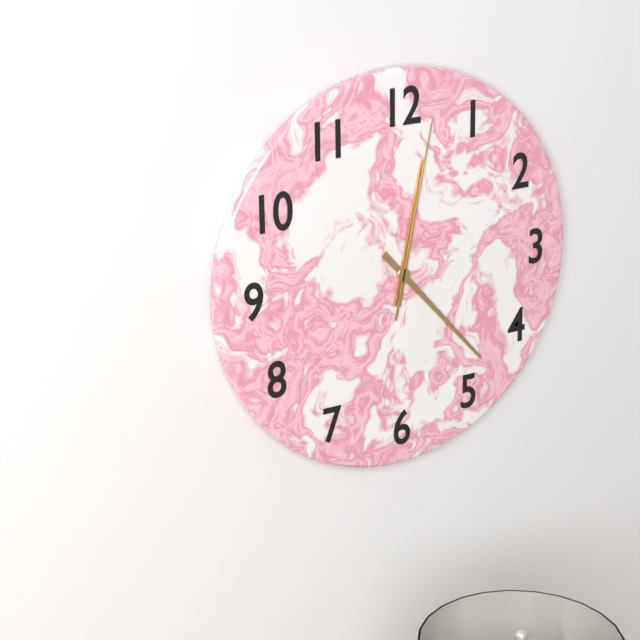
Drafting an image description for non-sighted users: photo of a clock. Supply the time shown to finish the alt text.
12:23:02
